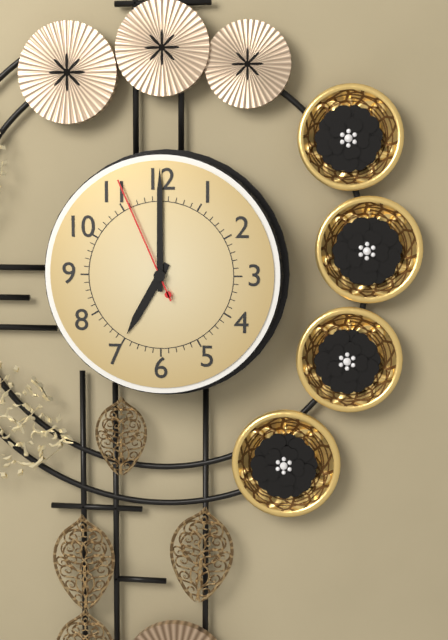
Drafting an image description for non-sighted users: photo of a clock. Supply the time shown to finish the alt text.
7:00:56
